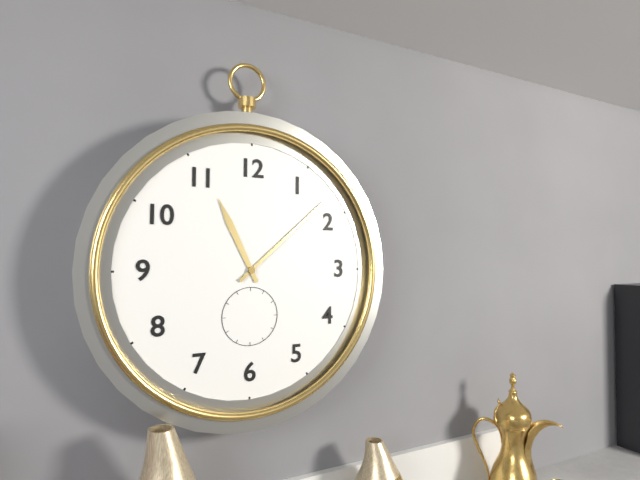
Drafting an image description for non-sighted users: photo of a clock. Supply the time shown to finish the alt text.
11:08
